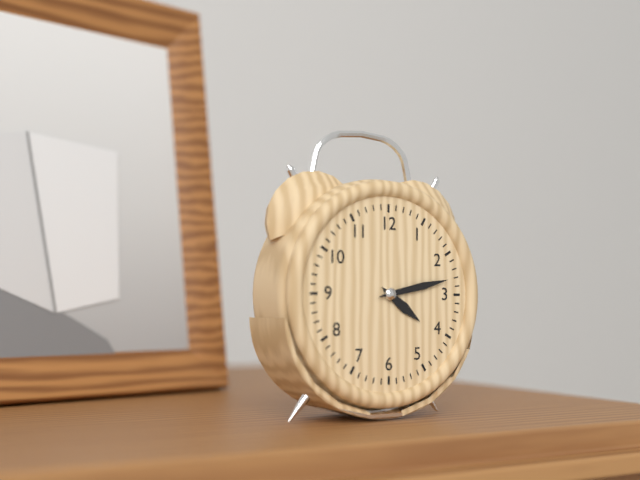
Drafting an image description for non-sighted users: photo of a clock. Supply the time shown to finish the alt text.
4:13
